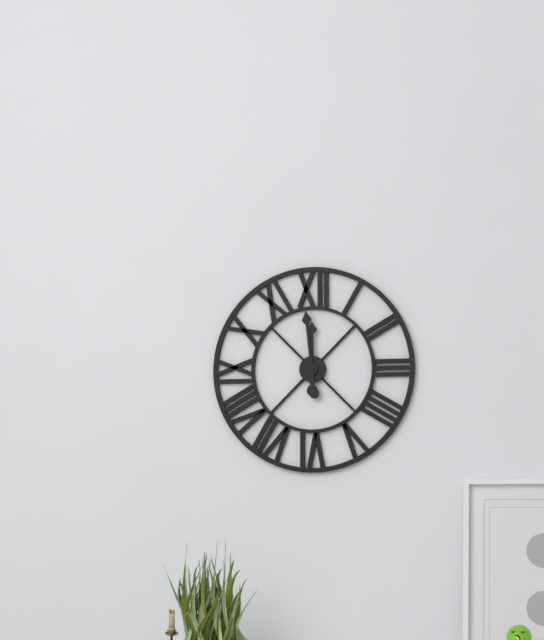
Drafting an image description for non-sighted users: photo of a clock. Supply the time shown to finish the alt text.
11:59
